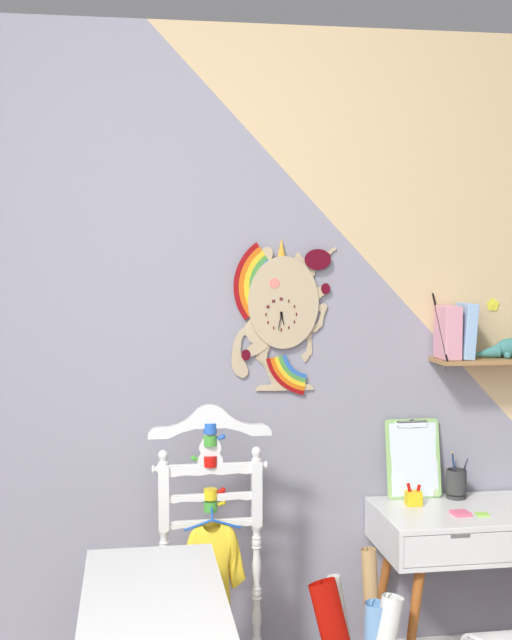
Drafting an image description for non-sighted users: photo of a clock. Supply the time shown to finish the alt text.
5:32
